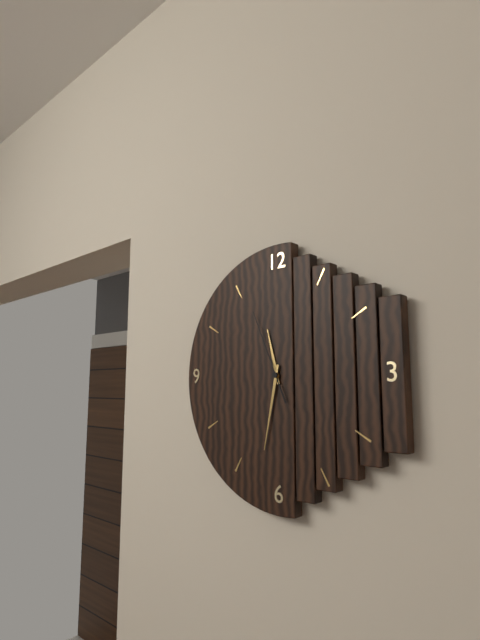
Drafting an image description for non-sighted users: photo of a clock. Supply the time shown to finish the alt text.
11:32:56
